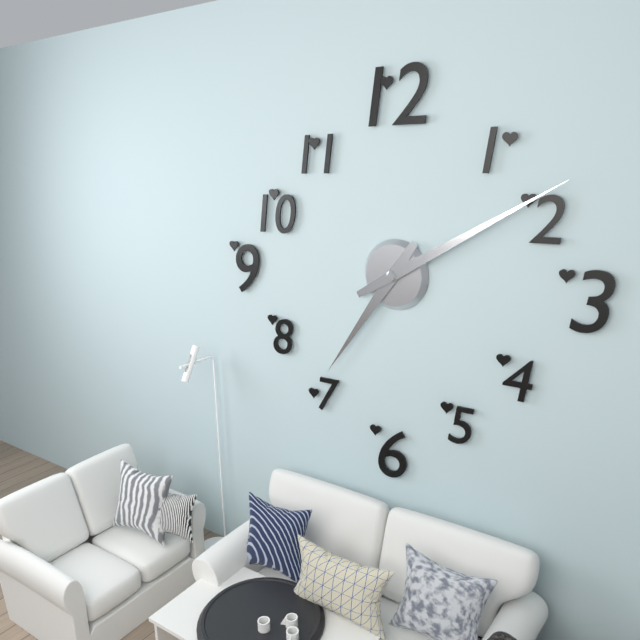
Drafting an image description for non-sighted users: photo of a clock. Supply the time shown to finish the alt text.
7:10
